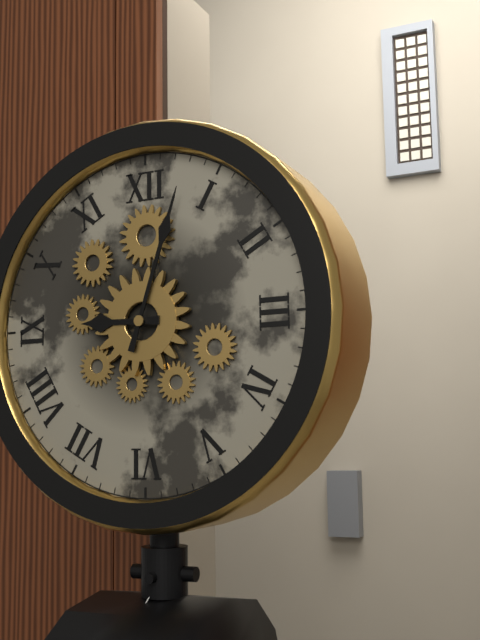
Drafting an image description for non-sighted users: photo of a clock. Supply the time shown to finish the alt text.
9:03
